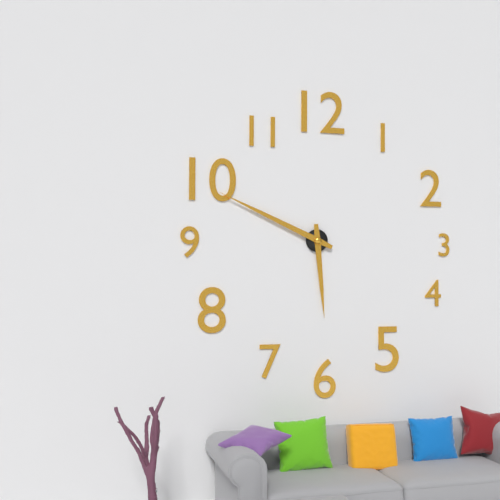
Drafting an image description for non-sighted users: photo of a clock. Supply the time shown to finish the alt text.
5:49
